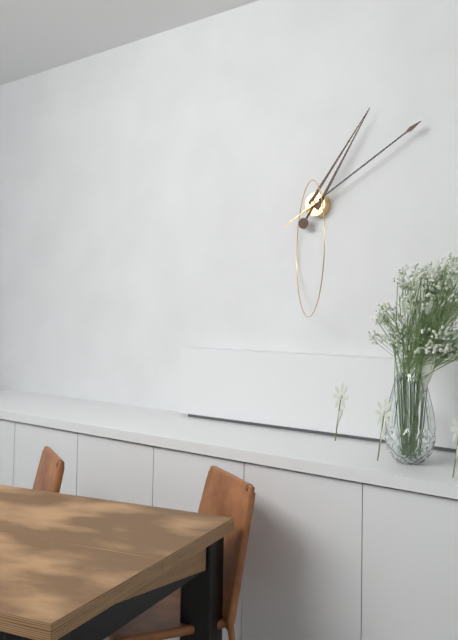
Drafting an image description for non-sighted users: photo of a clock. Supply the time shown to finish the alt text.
1:10
